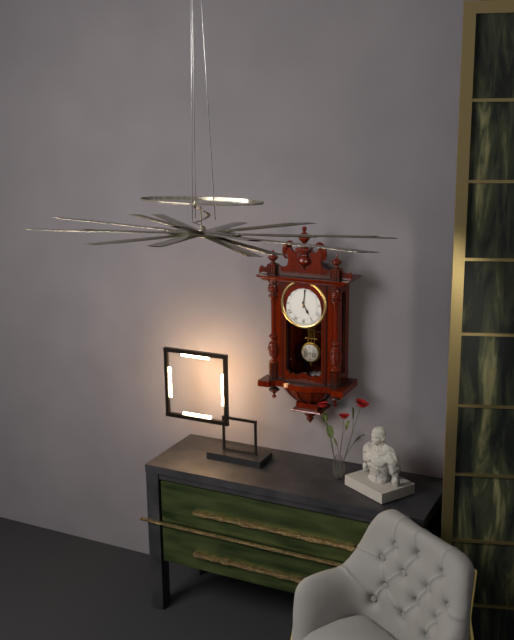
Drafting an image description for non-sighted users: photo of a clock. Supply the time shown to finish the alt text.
5:01
